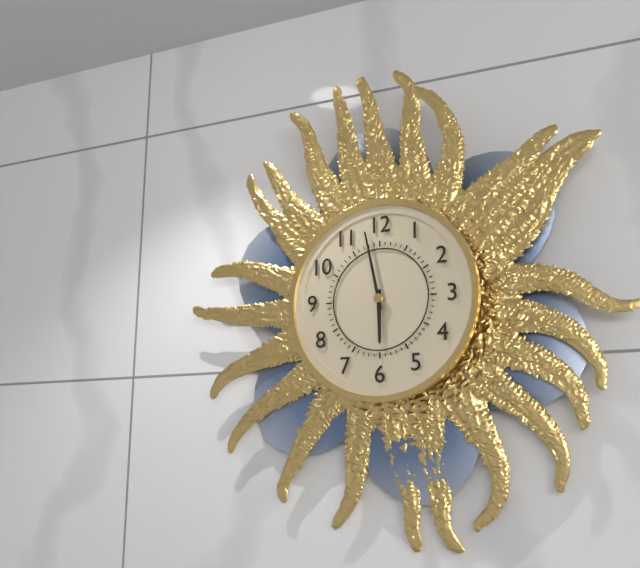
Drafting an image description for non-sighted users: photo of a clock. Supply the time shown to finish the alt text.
5:58
